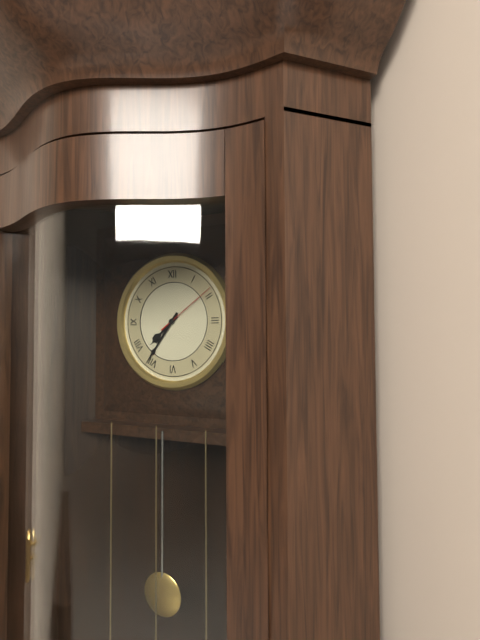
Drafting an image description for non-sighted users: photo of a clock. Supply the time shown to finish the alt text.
7:36:09
